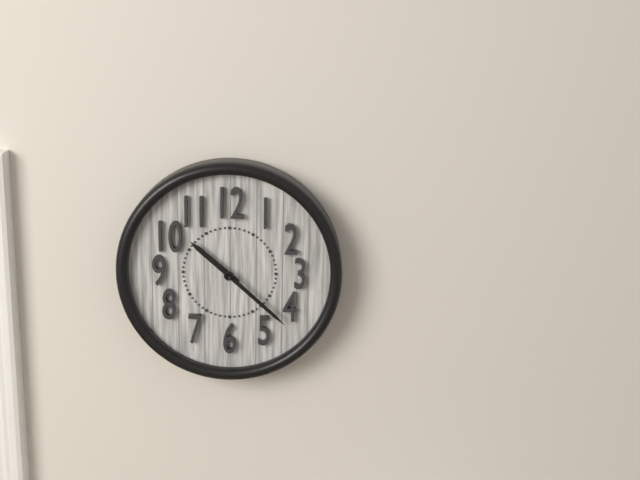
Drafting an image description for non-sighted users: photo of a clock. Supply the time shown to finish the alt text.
10:22
